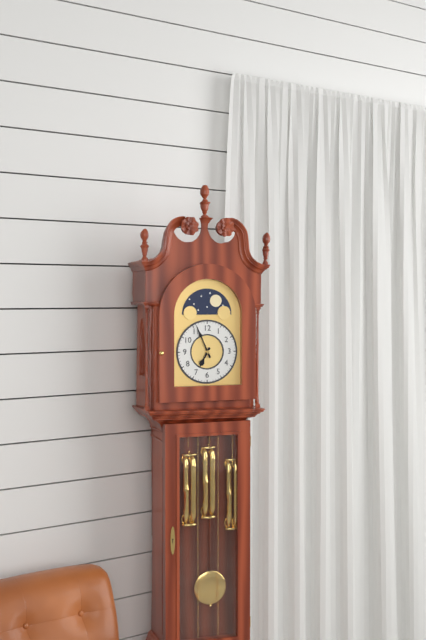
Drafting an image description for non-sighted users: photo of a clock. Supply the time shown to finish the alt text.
6:56
